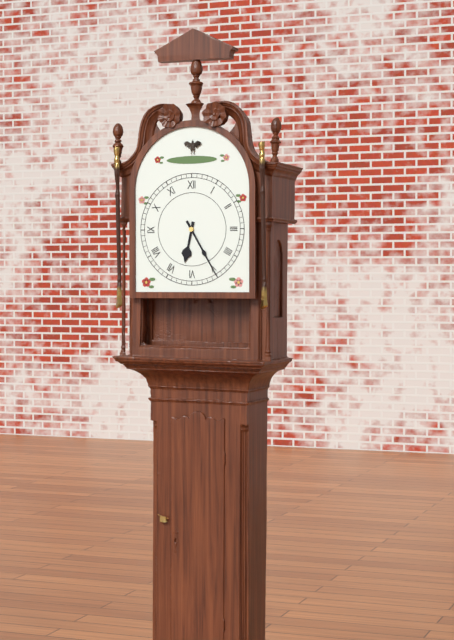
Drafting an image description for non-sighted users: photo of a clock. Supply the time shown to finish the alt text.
6:25
